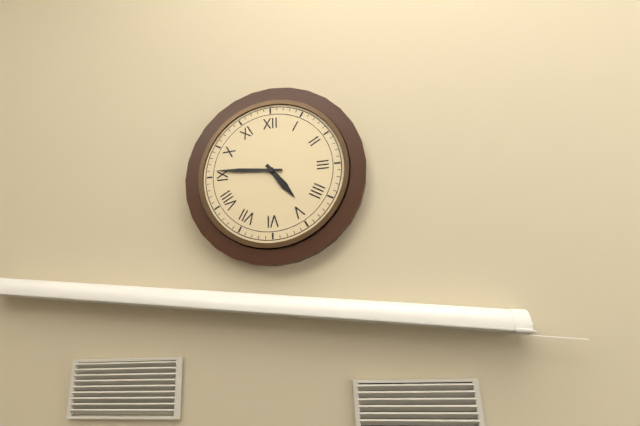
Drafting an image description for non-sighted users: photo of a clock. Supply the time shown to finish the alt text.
4:46
